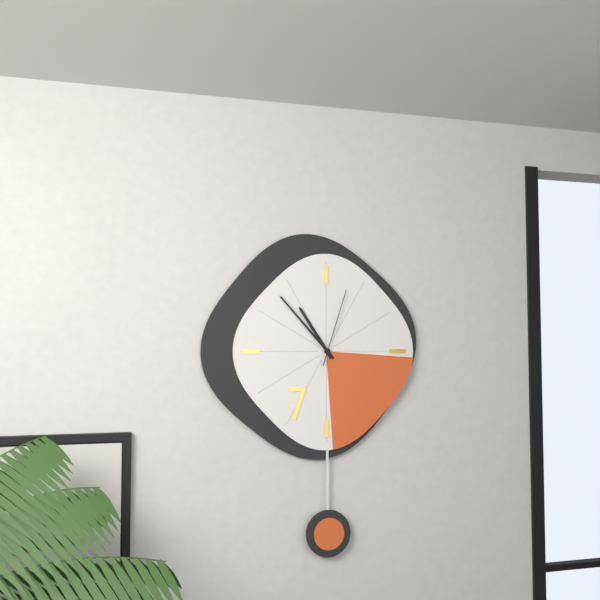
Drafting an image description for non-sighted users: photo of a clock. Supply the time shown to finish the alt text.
10:53:03
